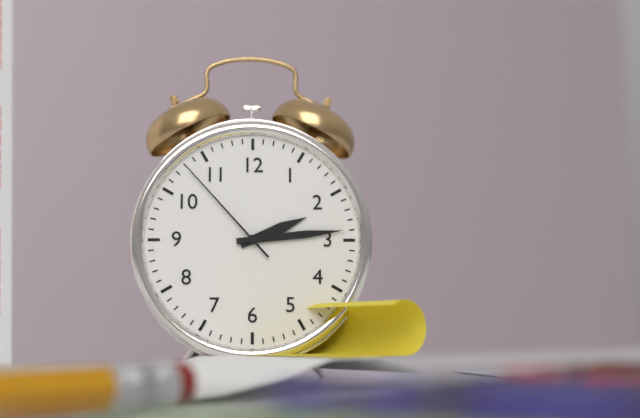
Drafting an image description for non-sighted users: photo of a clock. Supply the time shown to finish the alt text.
2:14:53
